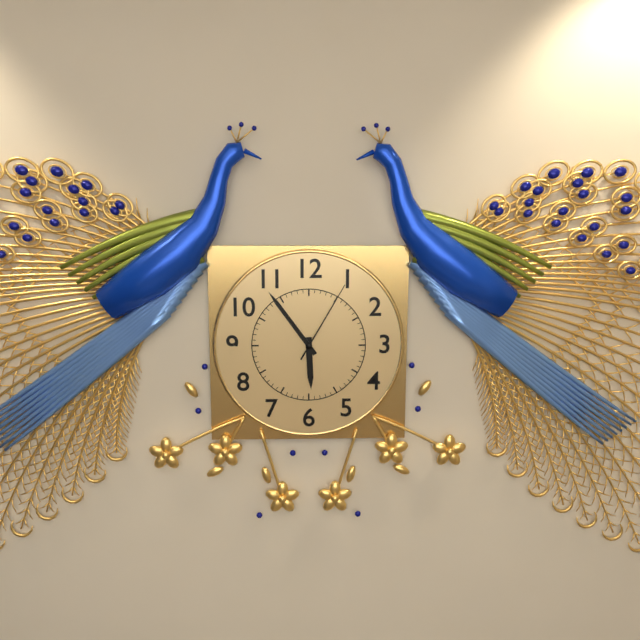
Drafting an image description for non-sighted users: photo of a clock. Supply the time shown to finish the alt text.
5:54:05
